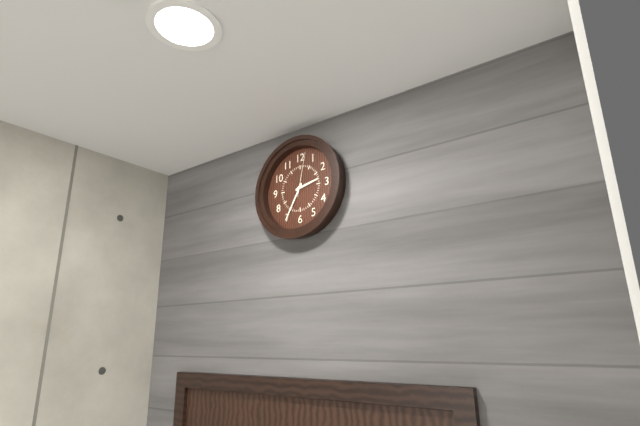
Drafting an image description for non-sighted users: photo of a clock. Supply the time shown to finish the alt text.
2:35
